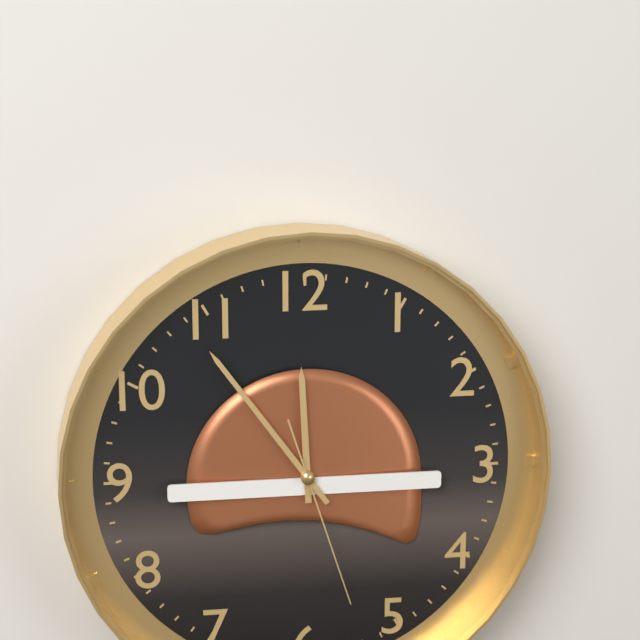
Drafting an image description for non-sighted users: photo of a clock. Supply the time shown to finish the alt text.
11:54:27
